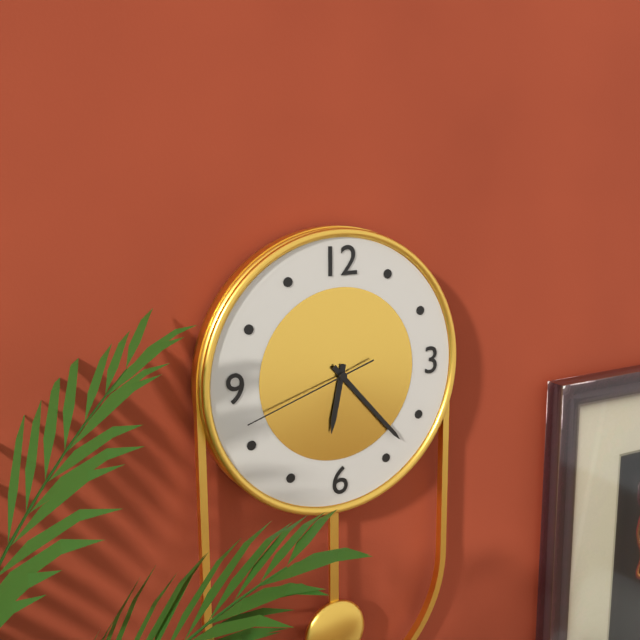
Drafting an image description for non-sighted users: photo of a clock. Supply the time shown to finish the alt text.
6:23:42
